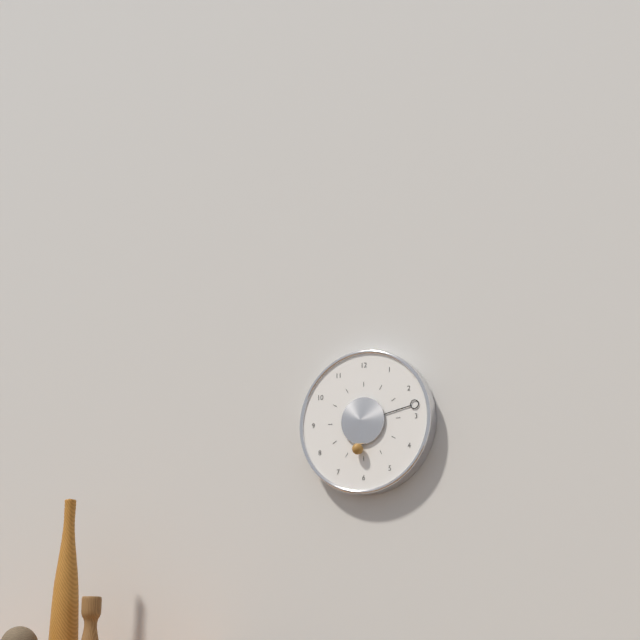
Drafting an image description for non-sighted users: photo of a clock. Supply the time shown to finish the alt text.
6:13
